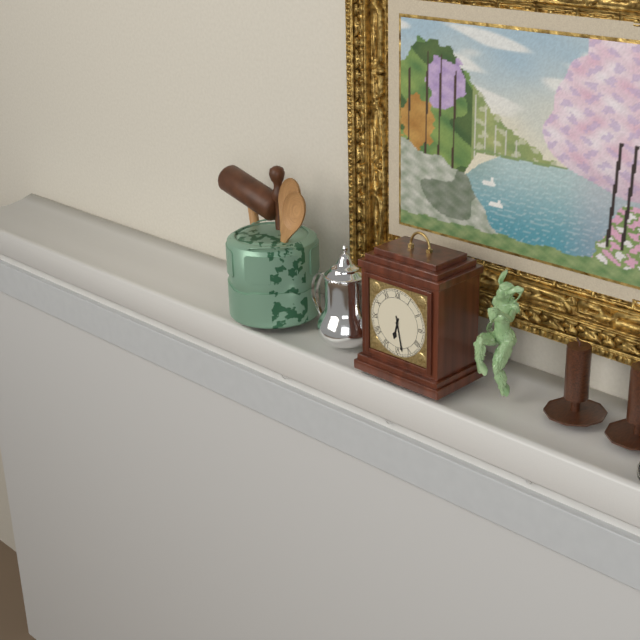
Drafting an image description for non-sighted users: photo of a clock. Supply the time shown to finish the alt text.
6:28
